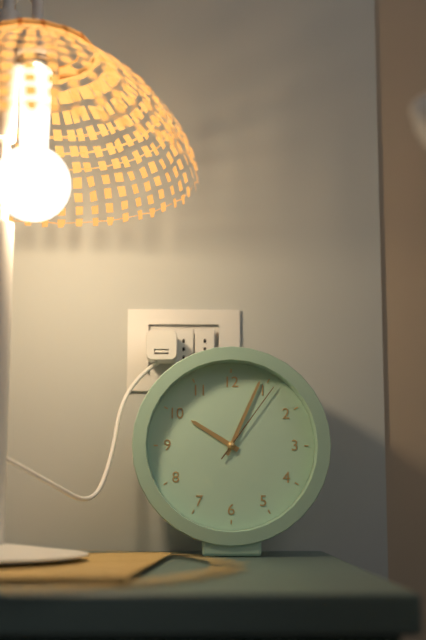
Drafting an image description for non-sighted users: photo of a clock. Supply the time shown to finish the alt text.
10:04:06
